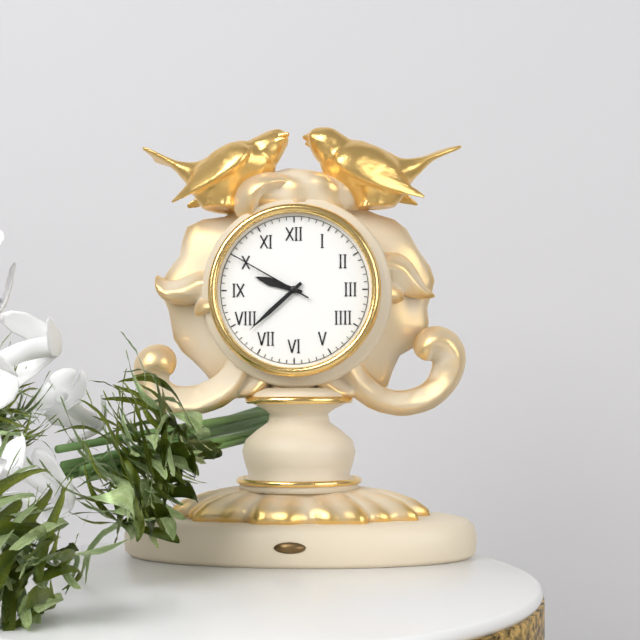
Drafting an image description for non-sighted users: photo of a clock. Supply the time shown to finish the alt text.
9:38:50
